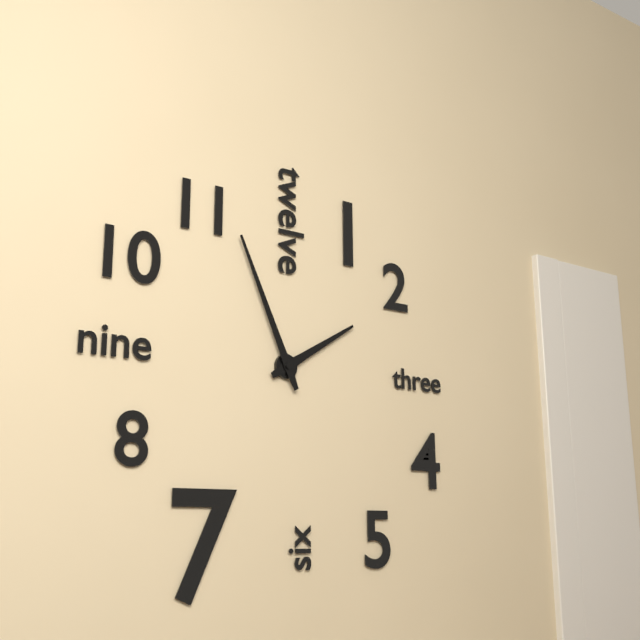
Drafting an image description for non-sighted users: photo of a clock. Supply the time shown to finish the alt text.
1:56
